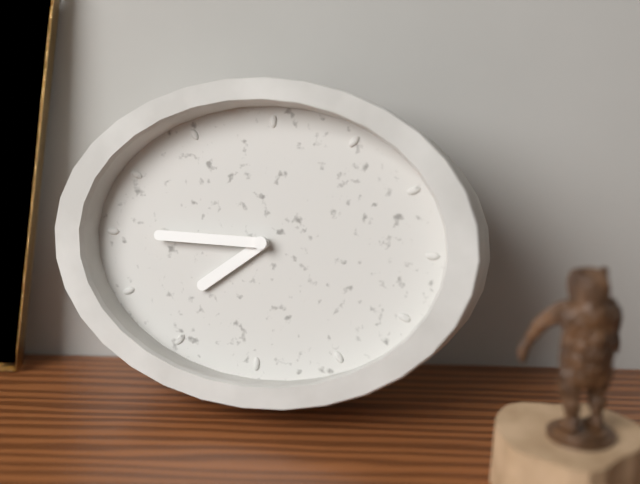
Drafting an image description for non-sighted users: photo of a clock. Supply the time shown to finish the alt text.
7:45
